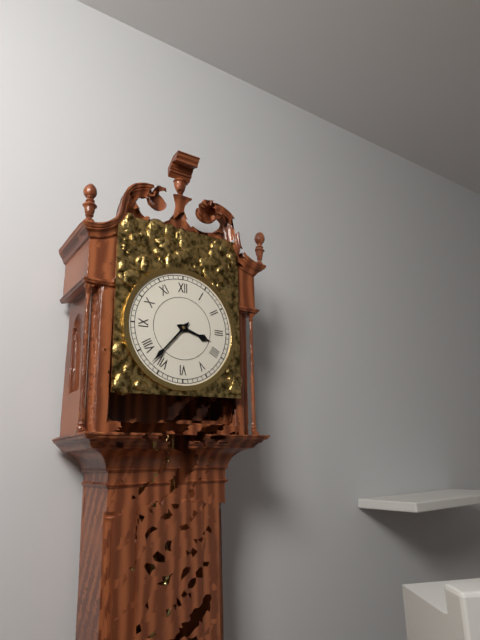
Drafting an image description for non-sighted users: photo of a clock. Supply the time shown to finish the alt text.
3:37
